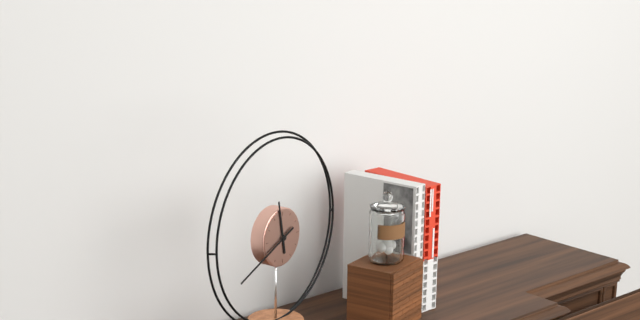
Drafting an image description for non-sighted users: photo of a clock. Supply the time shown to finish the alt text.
11:41
